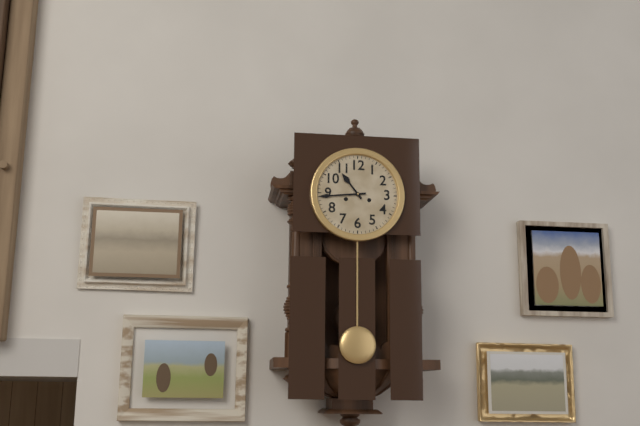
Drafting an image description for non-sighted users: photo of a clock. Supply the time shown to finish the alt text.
10:44
